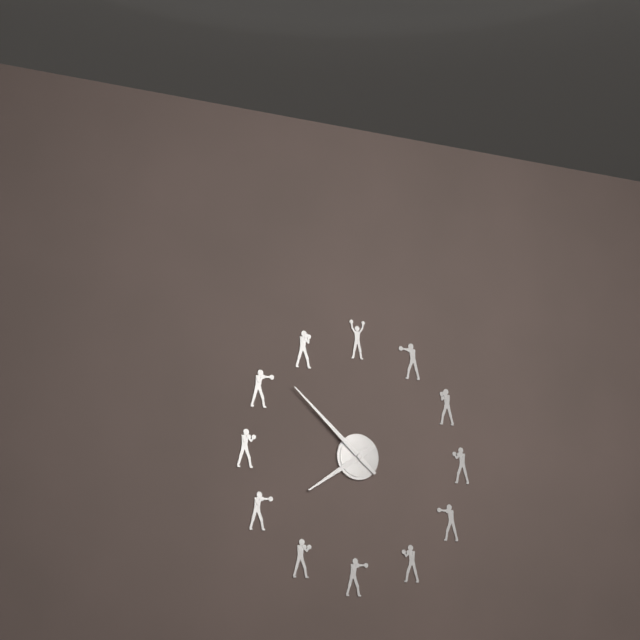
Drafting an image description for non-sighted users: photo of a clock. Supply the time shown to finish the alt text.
7:52
